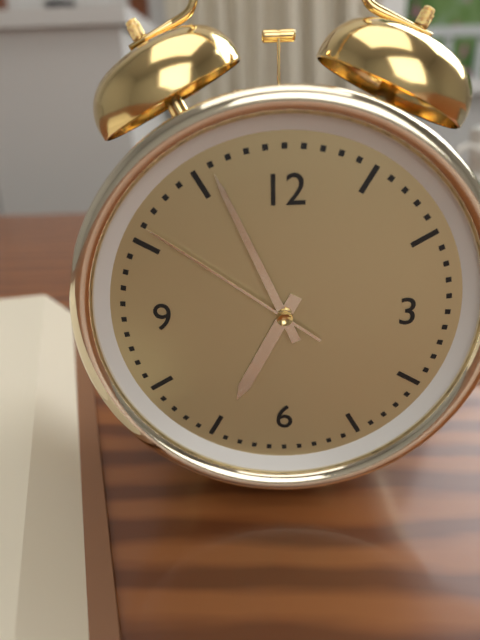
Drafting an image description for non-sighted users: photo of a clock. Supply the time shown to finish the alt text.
6:56:51
